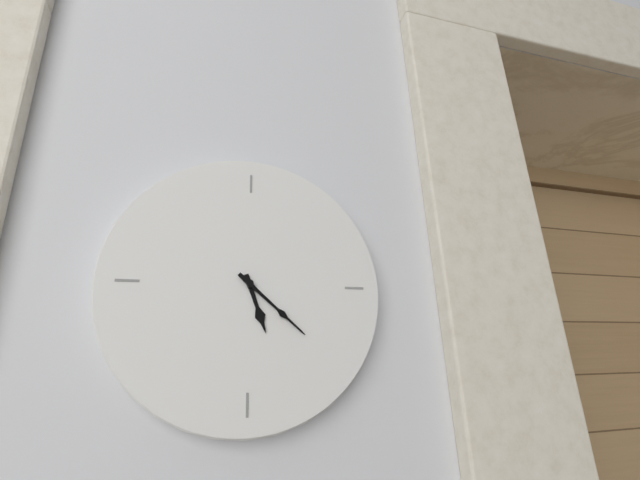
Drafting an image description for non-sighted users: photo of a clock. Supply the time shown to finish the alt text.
5:22
